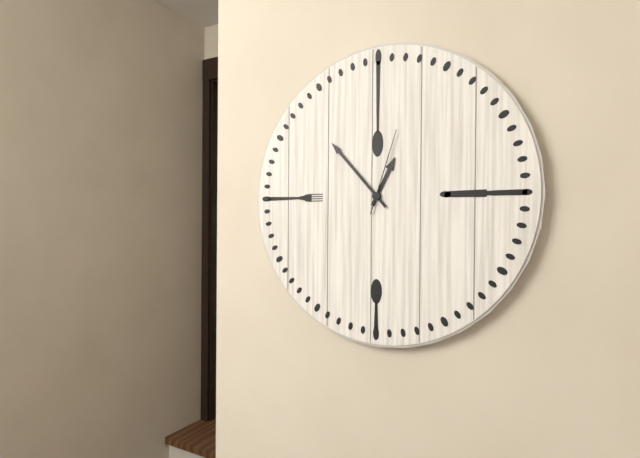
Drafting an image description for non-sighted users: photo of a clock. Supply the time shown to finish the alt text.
12:53:03
